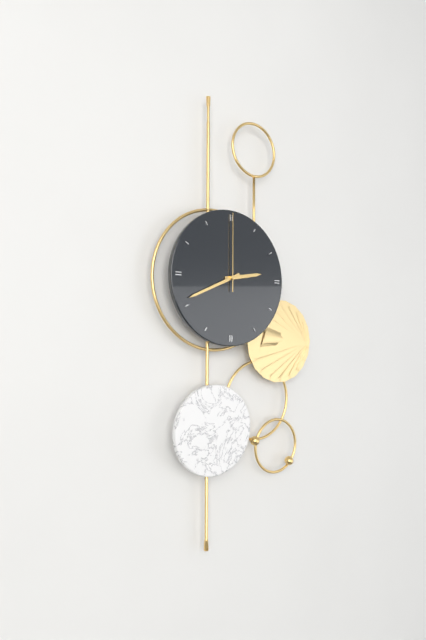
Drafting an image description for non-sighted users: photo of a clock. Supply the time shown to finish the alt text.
2:41:00
